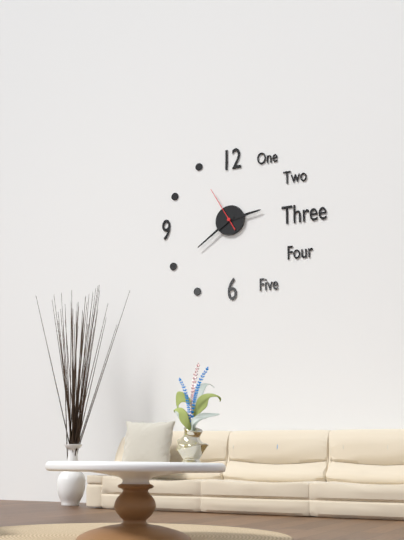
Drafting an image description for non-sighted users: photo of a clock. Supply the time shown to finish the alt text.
2:39
